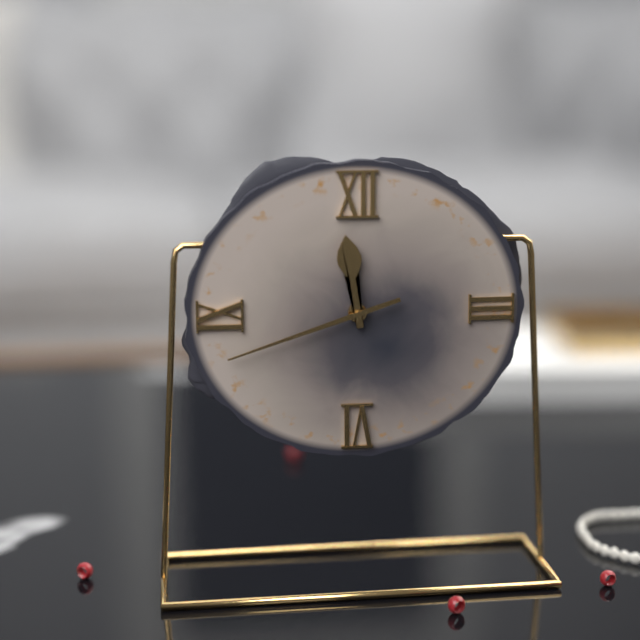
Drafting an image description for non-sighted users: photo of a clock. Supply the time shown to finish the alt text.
11:42
